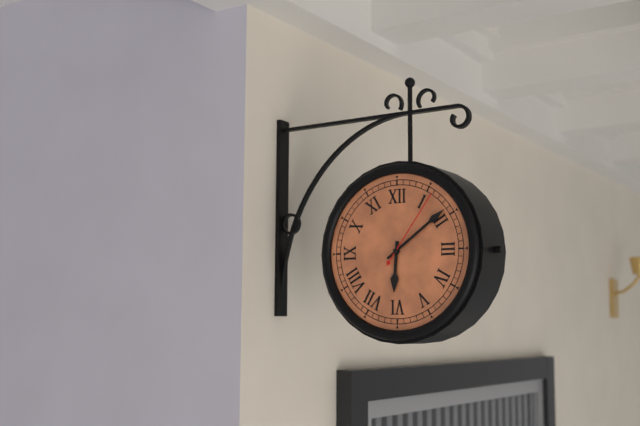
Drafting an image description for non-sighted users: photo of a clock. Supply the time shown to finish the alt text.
6:09:06
